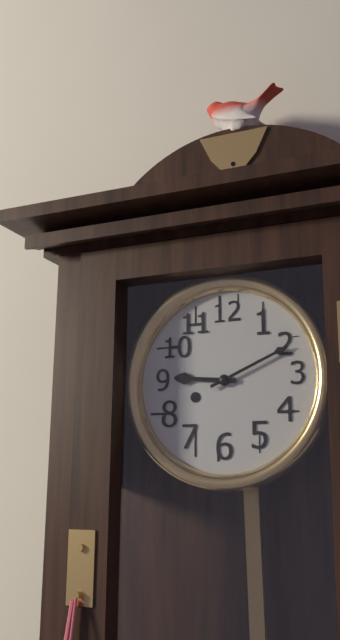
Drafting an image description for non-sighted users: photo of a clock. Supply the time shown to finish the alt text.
9:11
